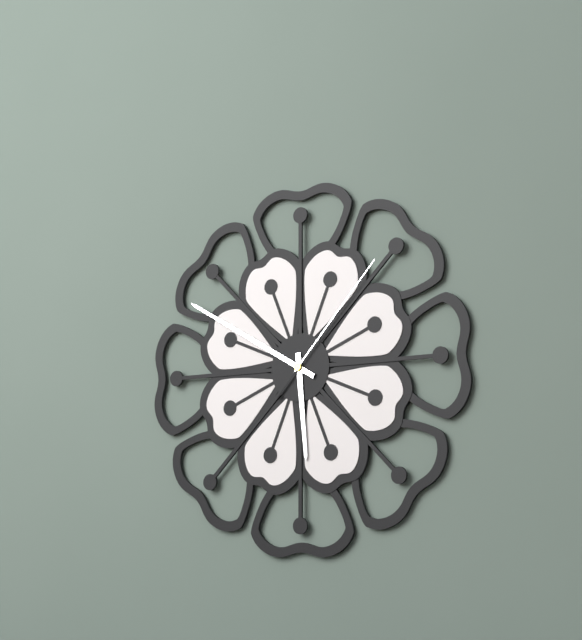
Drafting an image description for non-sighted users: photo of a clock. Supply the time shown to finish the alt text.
5:50:07
